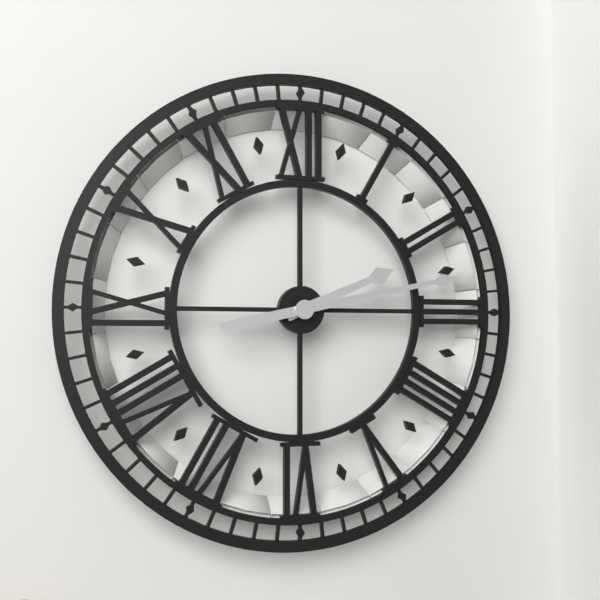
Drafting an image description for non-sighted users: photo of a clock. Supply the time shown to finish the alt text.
2:13
